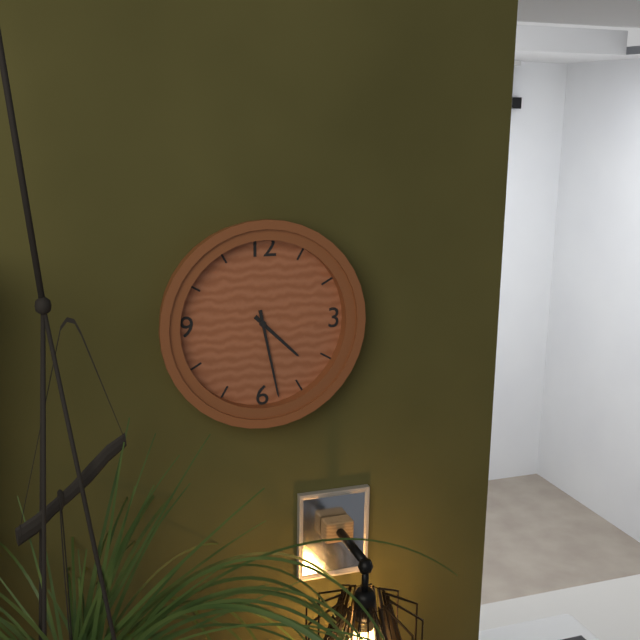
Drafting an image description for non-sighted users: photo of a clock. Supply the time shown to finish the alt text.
4:28
